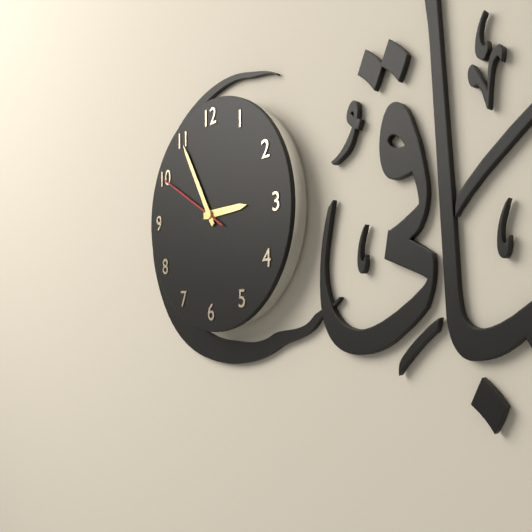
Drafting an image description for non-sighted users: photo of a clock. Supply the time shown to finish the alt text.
2:55:50
